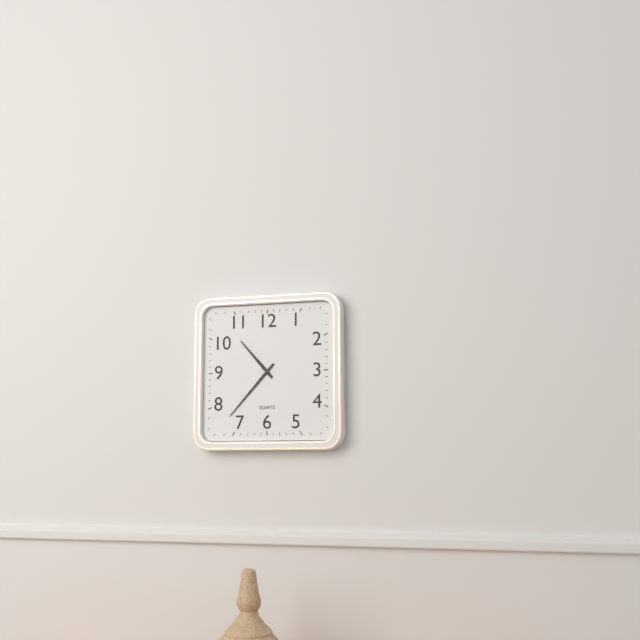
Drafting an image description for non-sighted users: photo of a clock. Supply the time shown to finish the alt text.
10:37
